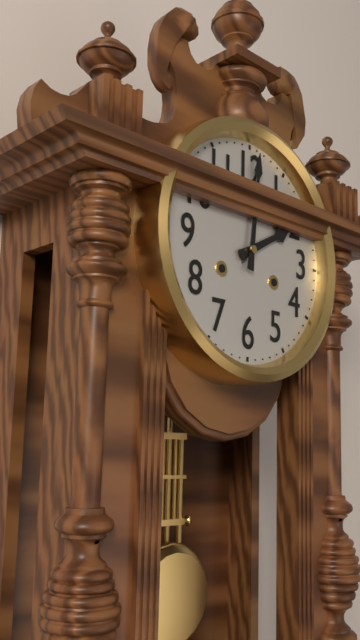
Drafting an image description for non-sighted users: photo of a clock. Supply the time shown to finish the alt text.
2:01
